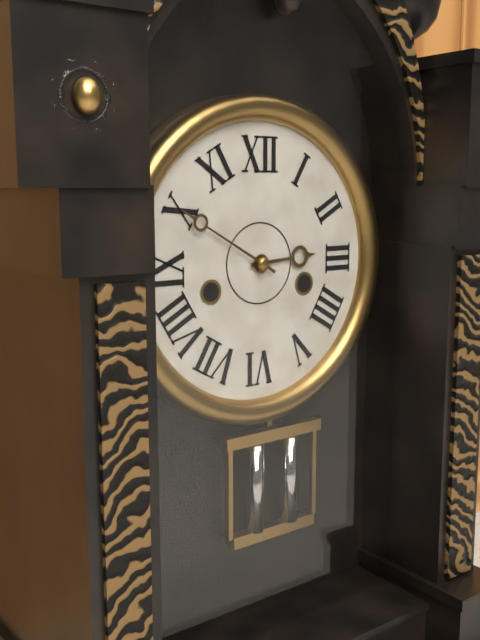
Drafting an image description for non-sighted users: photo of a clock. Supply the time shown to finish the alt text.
2:50
